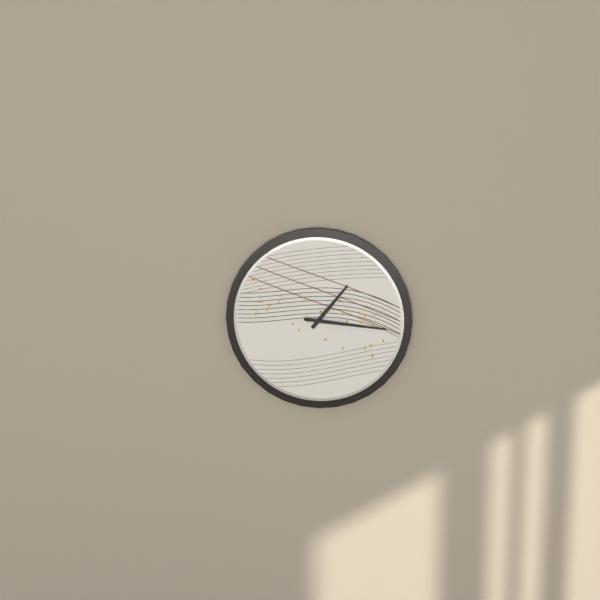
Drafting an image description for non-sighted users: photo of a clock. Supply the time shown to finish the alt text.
1:16
